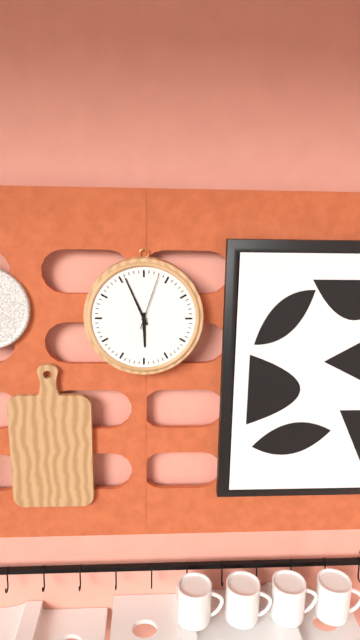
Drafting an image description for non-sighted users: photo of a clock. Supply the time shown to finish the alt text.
5:56:03
